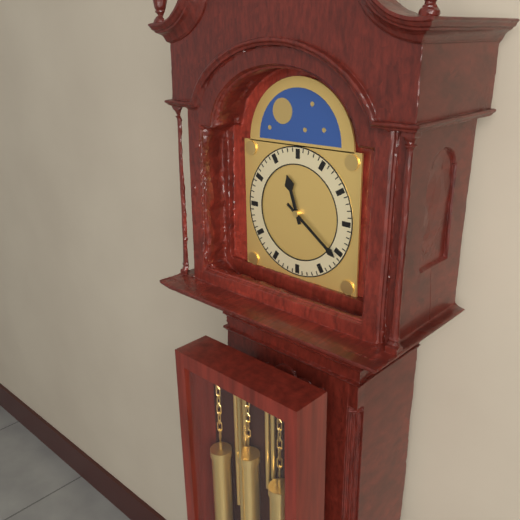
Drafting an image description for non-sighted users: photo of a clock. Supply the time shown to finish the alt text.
11:21
